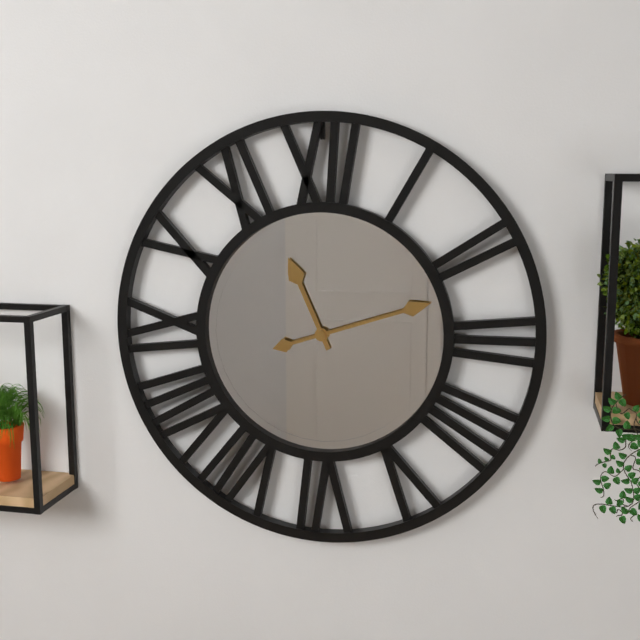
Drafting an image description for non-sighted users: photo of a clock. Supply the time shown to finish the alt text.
11:12
